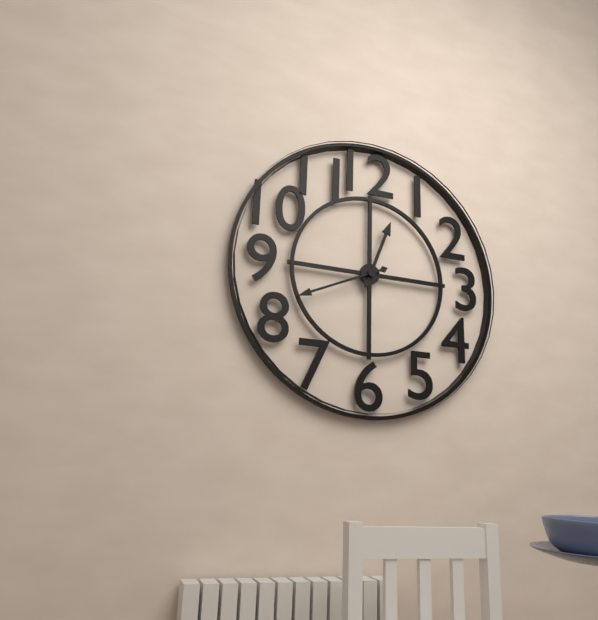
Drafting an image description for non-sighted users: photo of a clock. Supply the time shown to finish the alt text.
12:41
